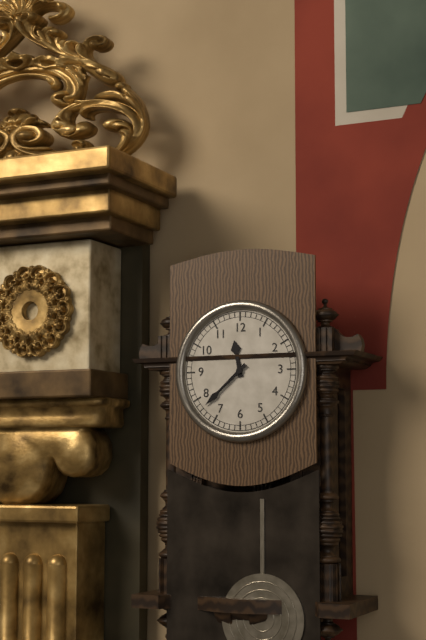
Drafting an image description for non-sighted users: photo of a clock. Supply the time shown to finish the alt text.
11:38
